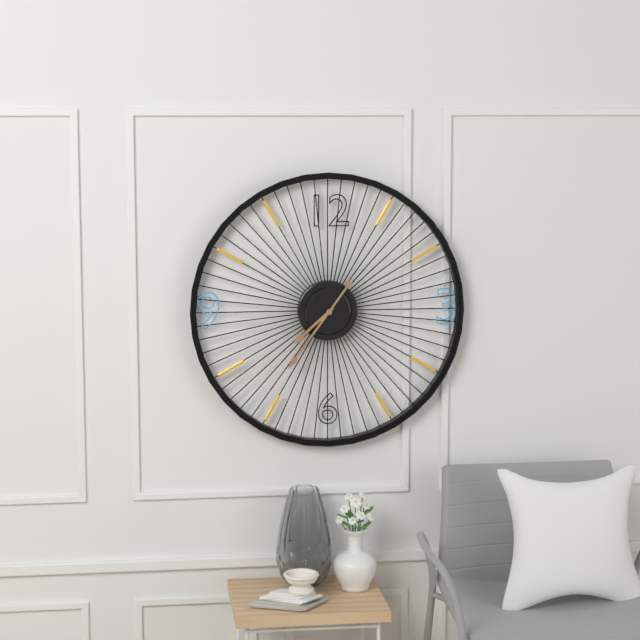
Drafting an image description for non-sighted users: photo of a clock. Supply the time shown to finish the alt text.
7:36
